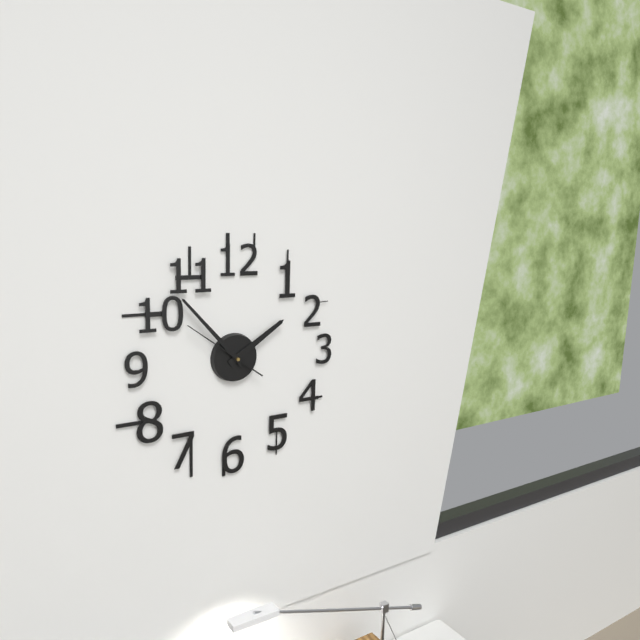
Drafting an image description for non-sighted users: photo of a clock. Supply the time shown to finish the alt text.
1:53:51
